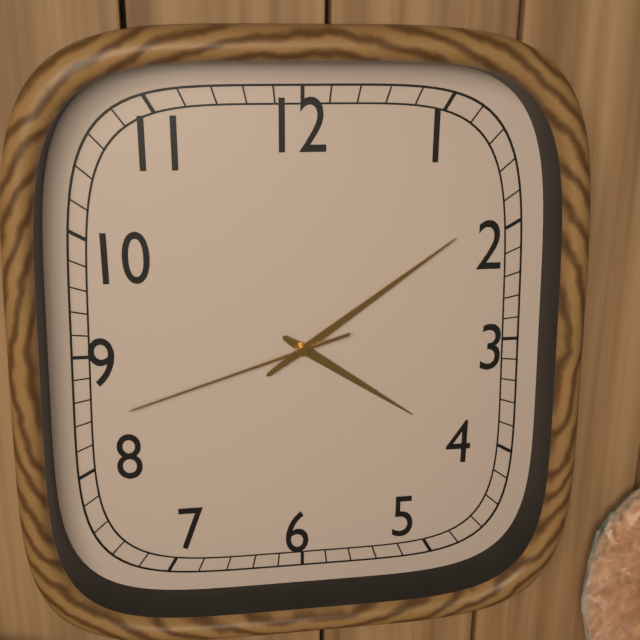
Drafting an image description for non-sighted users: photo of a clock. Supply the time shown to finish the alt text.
4:09:42
